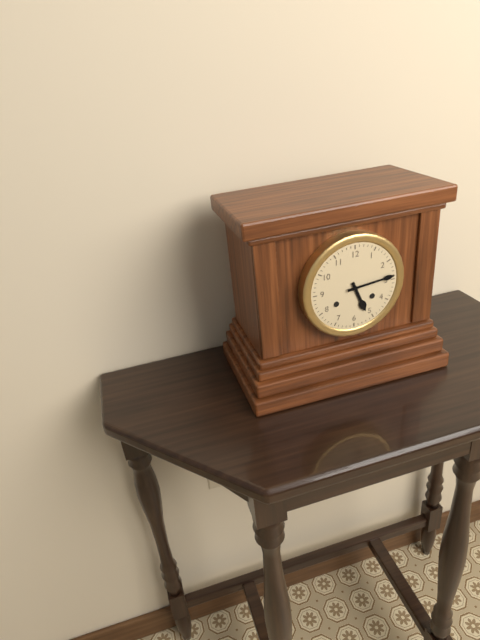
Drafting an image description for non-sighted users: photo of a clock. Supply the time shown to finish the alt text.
5:14
